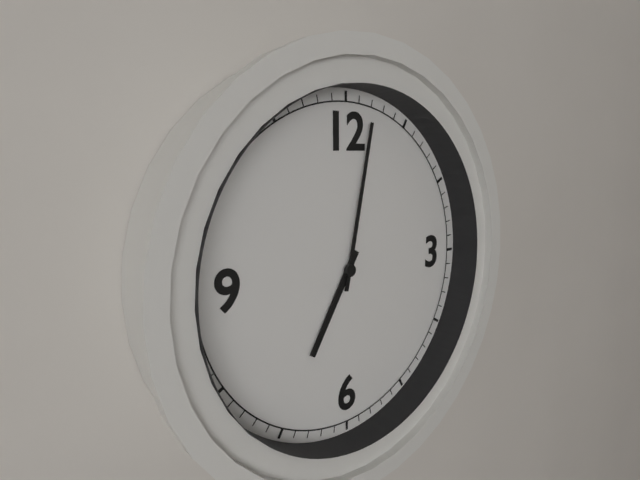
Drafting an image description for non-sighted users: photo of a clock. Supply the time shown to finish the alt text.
7:02
